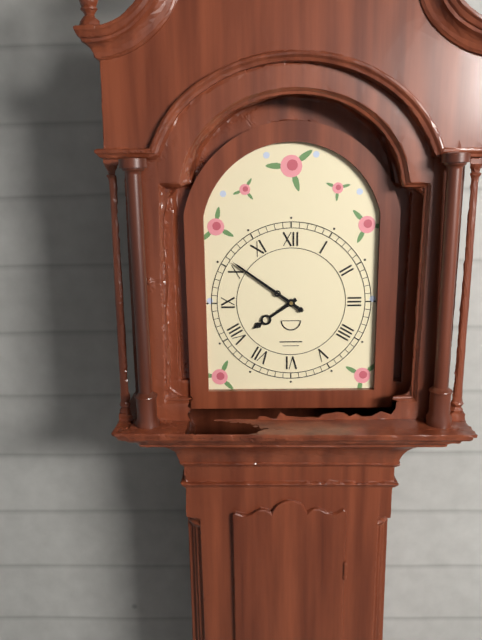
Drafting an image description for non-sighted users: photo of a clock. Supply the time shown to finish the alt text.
7:51
